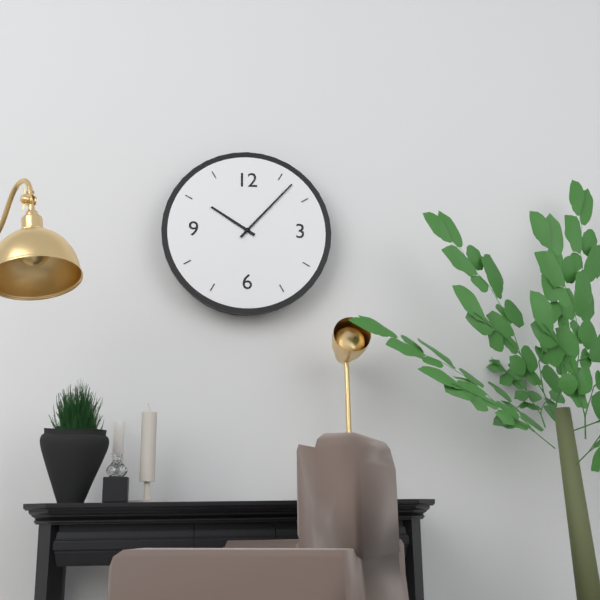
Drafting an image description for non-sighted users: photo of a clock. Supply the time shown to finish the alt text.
10:07
